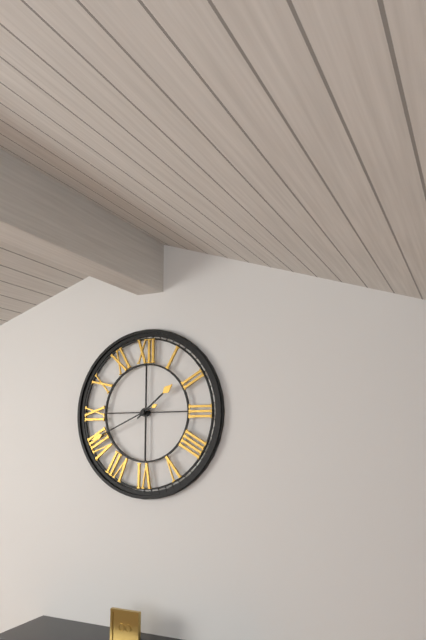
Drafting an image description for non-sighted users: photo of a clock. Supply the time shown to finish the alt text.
1:41
